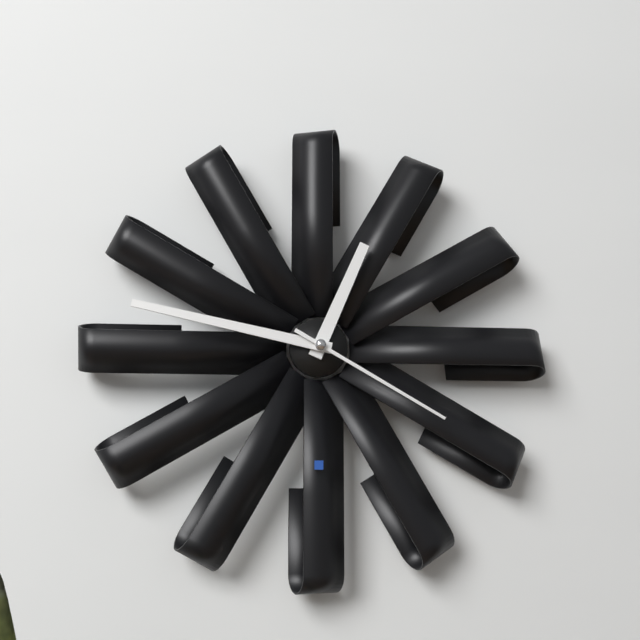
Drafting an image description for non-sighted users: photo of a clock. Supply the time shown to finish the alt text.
12:47:20
